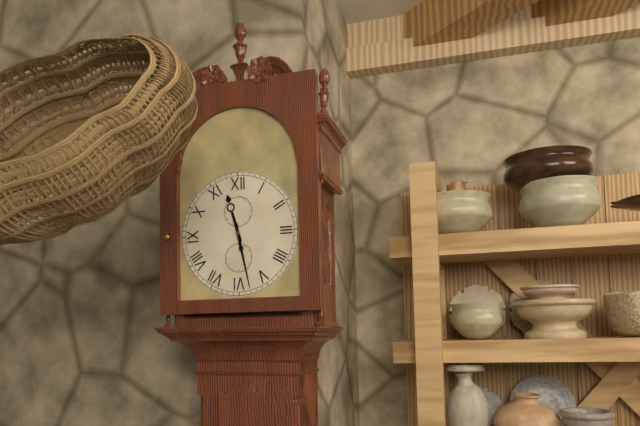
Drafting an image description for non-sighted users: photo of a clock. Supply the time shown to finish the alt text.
11:28
